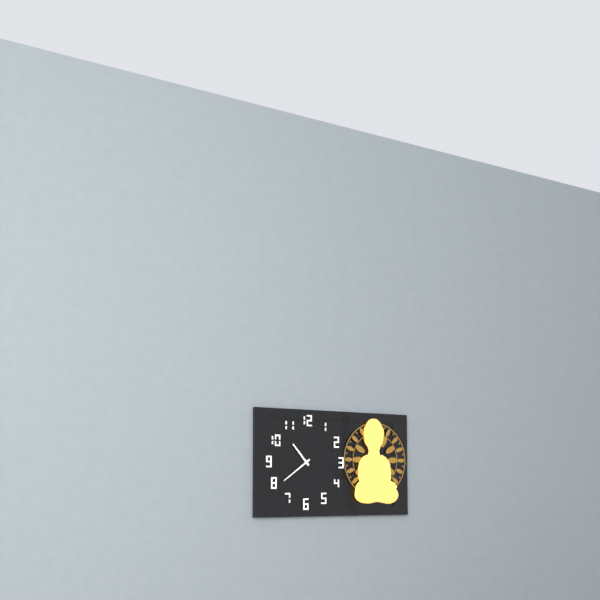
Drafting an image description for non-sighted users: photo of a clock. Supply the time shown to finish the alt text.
10:39
